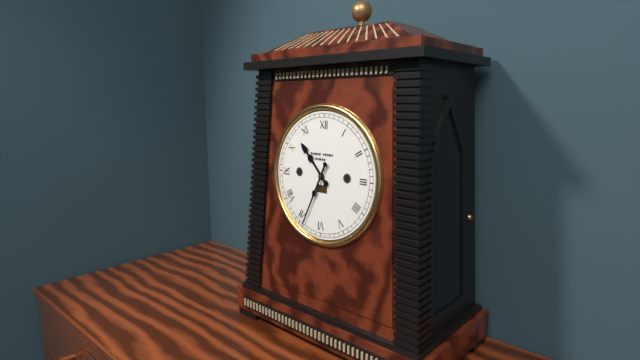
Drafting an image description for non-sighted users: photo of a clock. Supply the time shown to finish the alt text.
10:34
